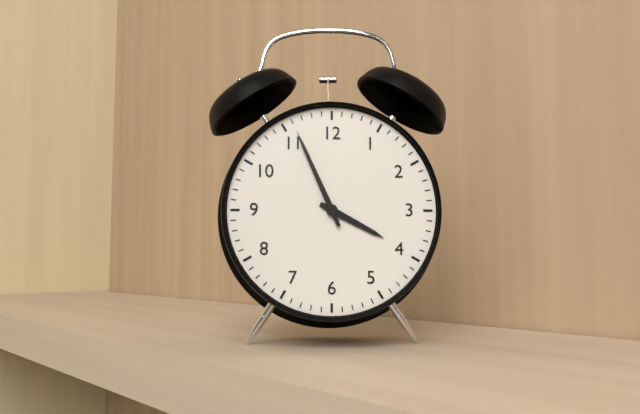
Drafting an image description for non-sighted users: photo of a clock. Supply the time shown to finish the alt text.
3:56
